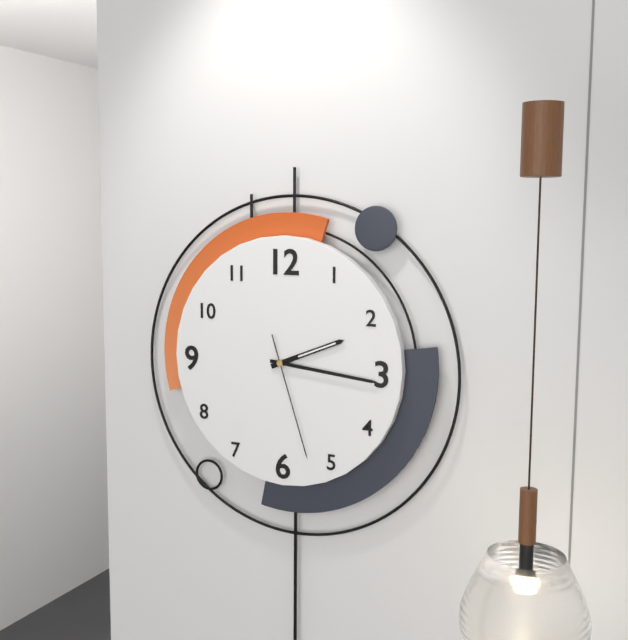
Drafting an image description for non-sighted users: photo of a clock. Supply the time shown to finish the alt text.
2:16:27
